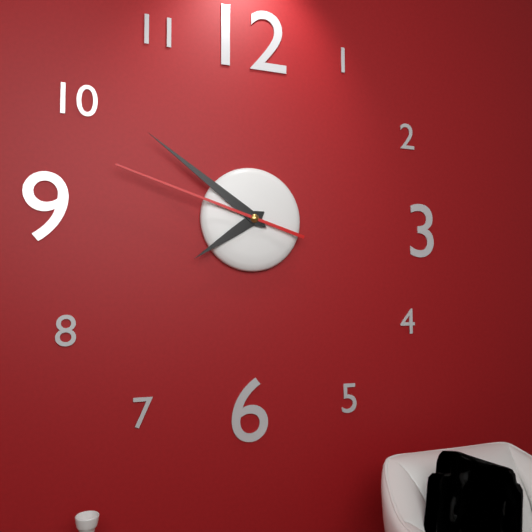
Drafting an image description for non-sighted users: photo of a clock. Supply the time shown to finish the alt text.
7:51:48
